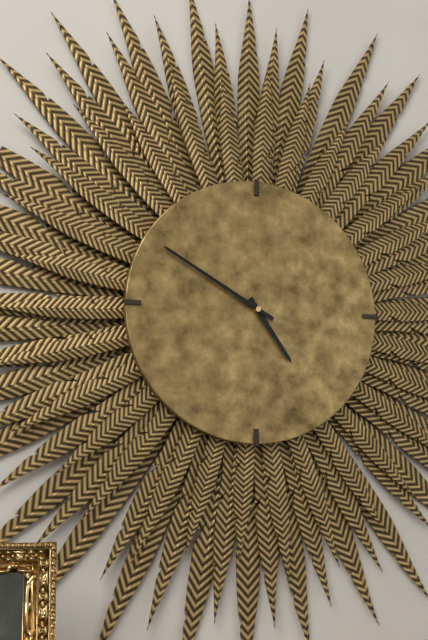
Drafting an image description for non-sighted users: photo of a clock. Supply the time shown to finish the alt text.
4:50
